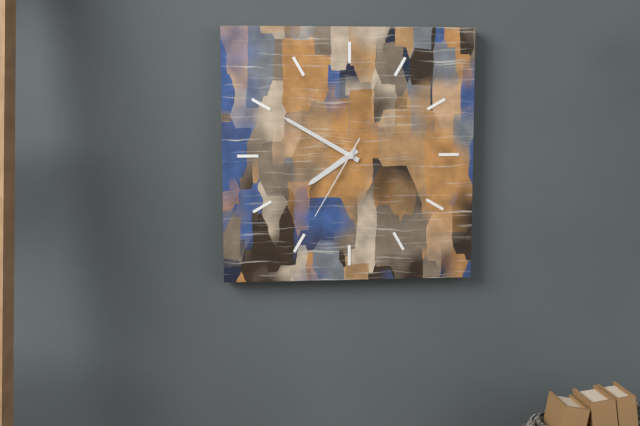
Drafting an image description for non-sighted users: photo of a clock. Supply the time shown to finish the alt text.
7:50:35
